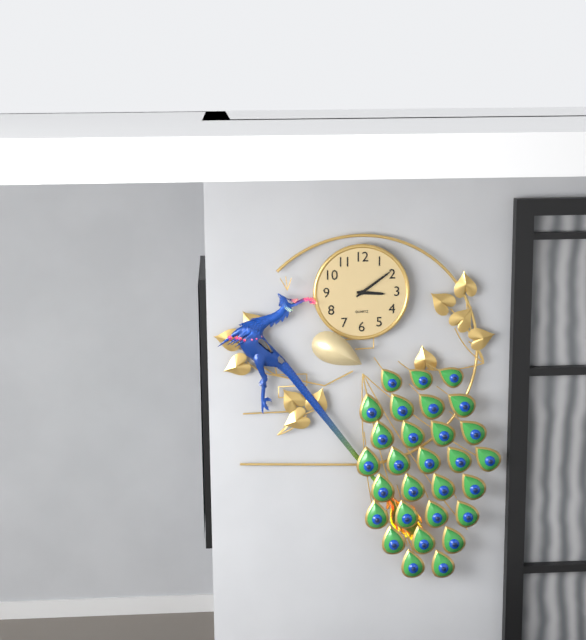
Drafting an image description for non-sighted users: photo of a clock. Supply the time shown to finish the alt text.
3:09
